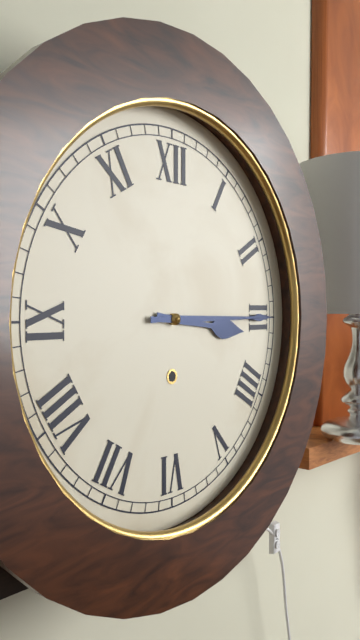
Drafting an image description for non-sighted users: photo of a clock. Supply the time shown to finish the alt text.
3:15
